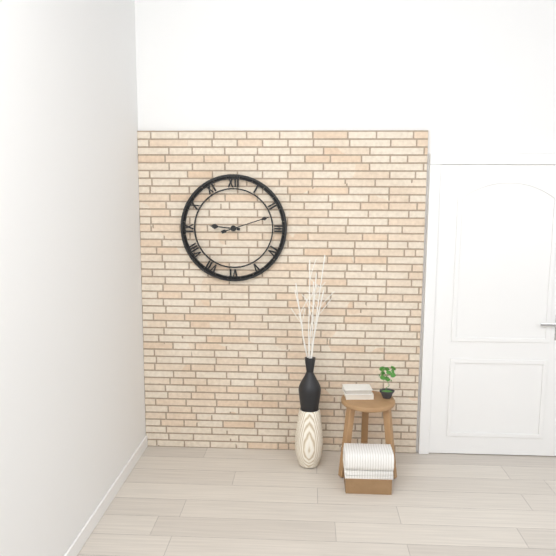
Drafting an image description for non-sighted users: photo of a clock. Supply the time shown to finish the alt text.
9:12
